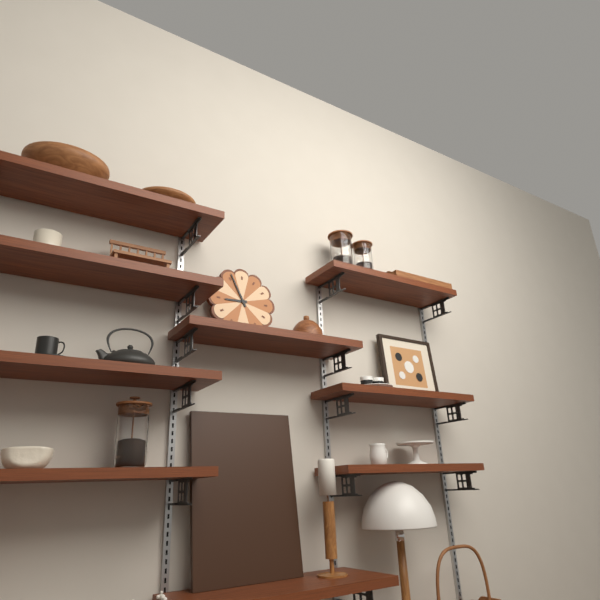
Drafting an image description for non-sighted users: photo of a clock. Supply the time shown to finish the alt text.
8:56
